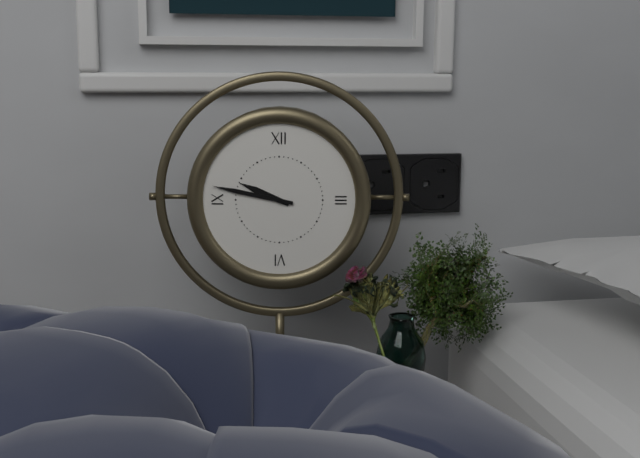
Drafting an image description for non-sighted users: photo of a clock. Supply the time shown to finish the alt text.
9:47
